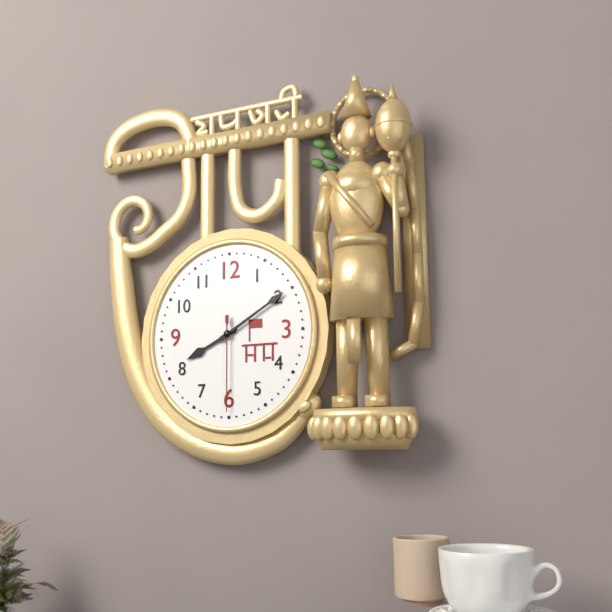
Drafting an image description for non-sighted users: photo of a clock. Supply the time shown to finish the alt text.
8:10:30
